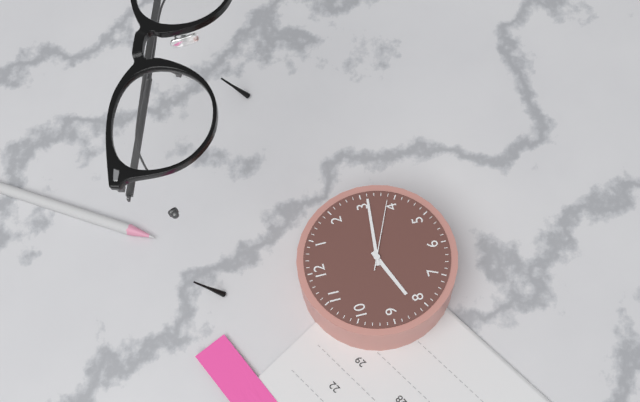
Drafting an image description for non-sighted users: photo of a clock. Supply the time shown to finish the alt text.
8:16:19
